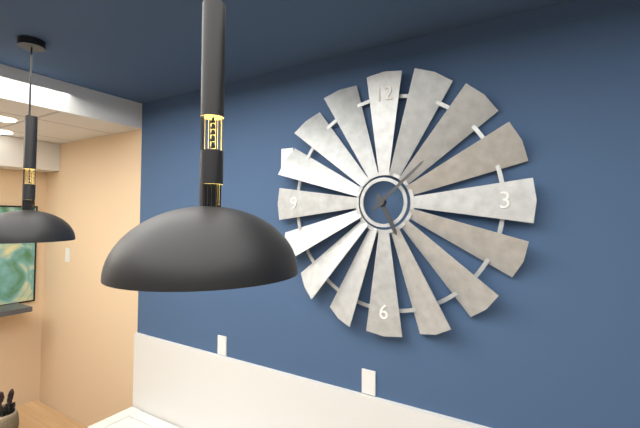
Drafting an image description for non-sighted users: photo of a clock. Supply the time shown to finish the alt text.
5:08
